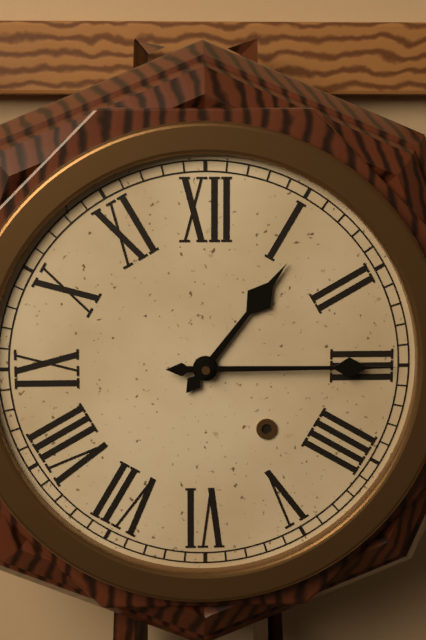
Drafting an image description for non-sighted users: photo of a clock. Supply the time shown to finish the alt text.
1:15
